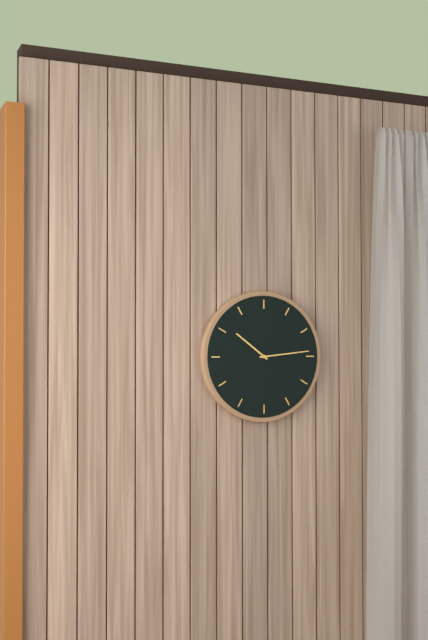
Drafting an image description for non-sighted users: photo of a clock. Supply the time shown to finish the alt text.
10:14
